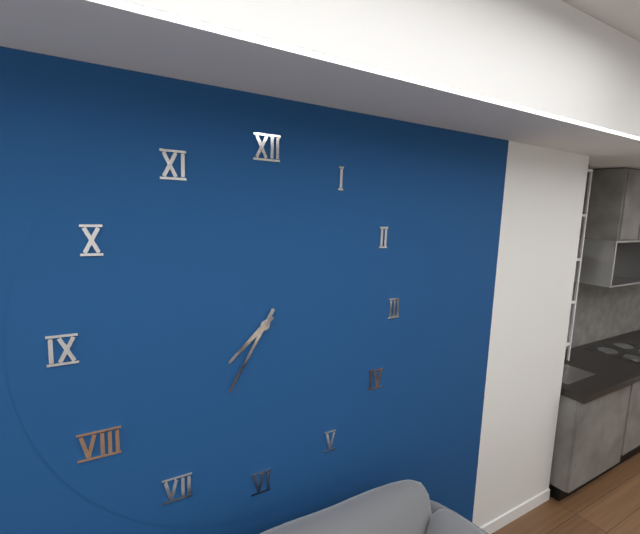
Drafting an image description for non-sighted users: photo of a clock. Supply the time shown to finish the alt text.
7:35
